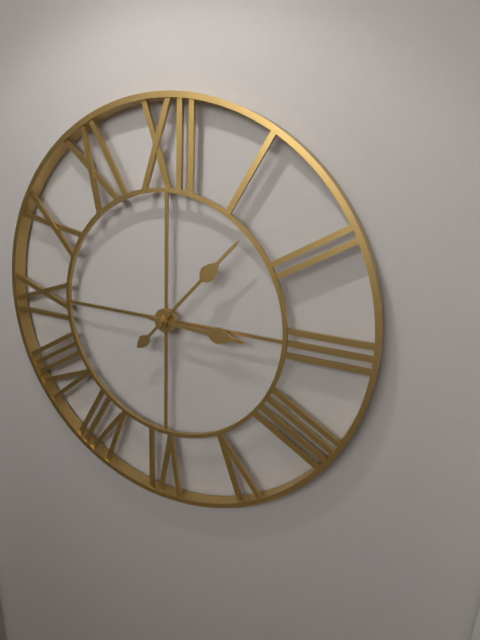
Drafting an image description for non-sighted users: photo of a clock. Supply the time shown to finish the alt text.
3:07
